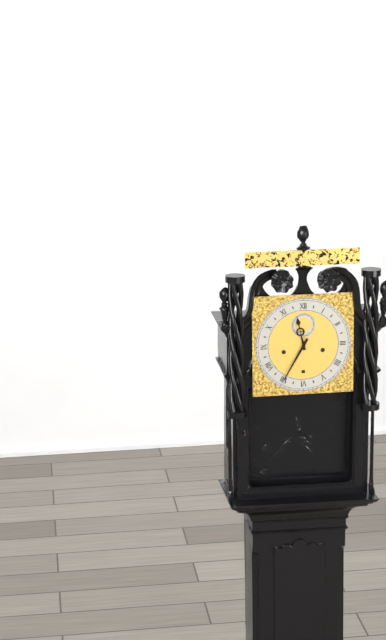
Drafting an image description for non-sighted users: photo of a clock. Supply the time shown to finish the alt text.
11:35
